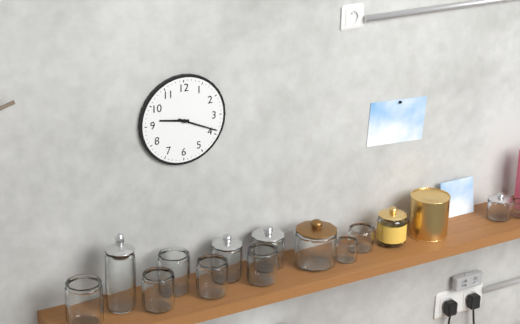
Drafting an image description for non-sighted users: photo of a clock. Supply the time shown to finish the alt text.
9:19
